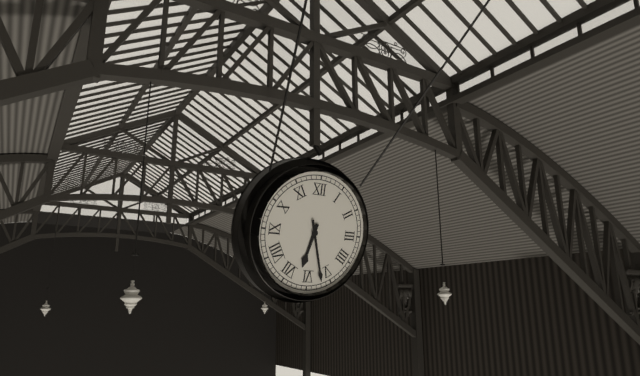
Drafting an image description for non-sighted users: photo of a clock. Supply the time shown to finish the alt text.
6:27
